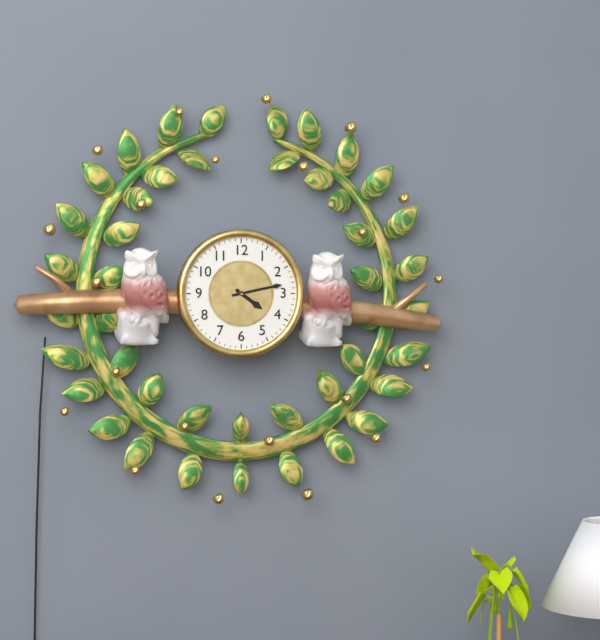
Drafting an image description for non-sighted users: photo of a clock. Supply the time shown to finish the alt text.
4:13
